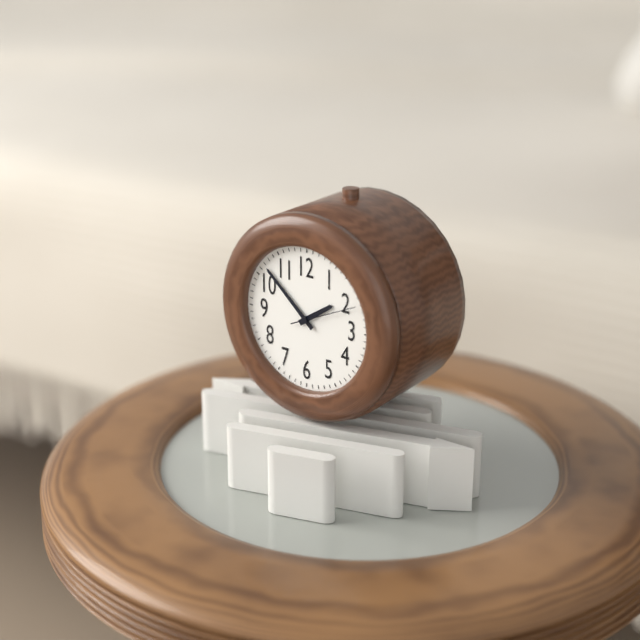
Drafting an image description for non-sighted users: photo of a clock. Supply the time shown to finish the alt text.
1:52:11
